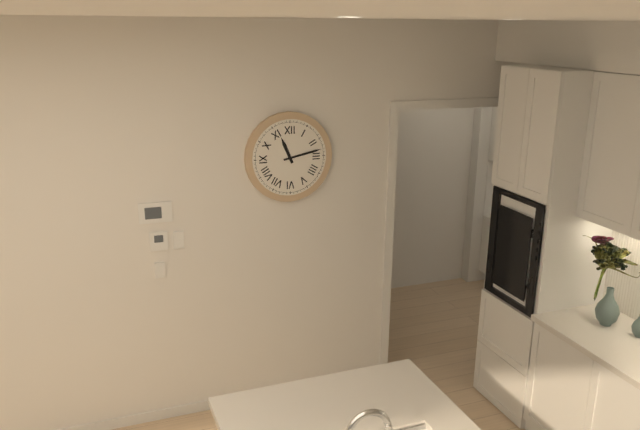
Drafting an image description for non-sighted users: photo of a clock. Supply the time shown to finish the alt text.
11:13
